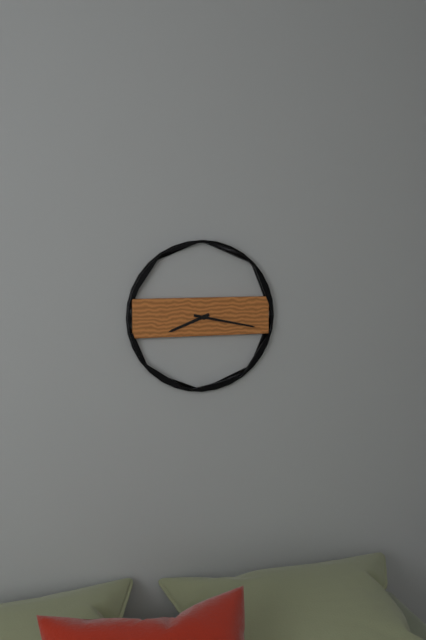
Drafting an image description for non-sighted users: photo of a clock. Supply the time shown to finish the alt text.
8:17
